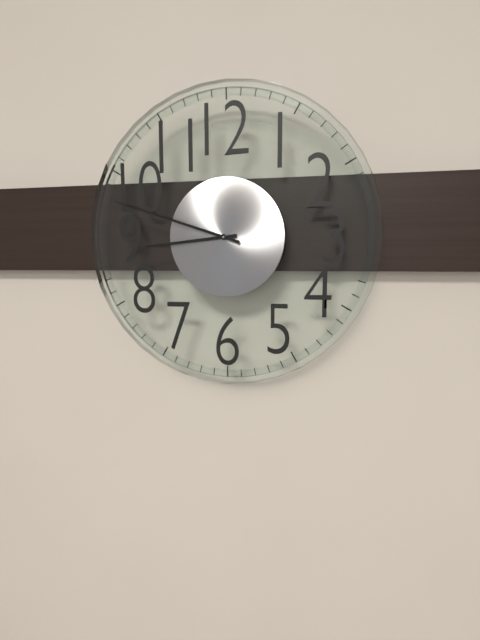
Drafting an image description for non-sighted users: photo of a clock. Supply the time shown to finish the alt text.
8:48
